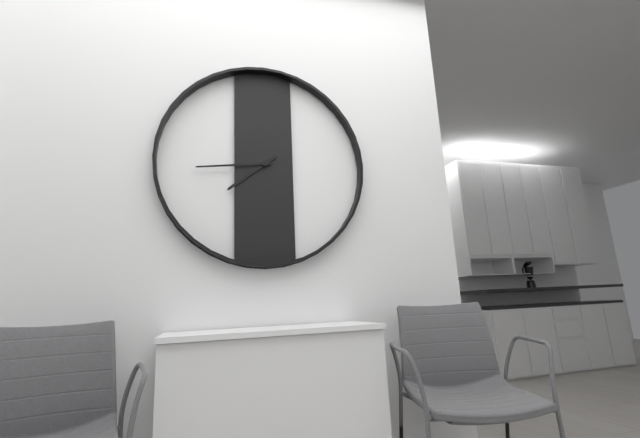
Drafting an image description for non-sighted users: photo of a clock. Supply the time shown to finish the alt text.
7:44
